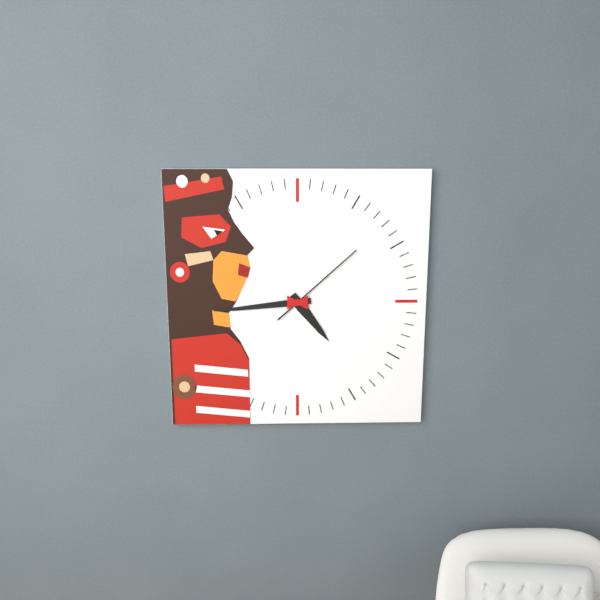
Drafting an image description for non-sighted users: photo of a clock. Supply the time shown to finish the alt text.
4:44:08
